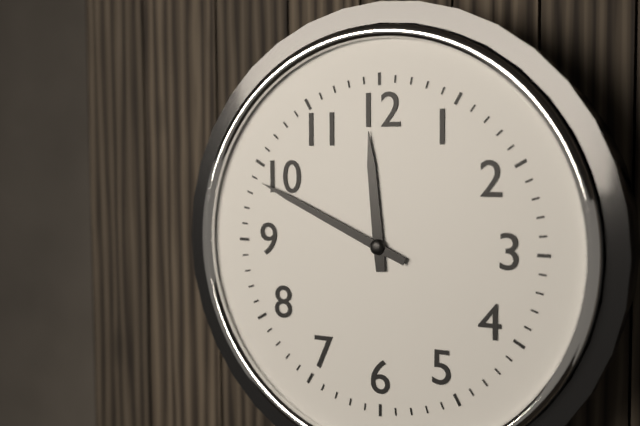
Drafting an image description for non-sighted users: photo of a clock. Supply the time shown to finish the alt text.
11:49
